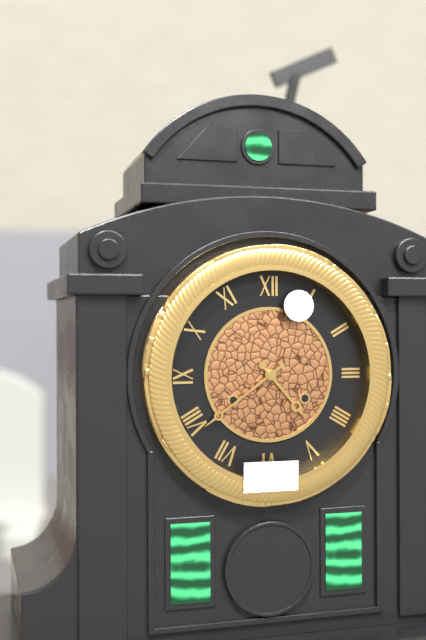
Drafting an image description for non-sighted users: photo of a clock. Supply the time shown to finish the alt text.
4:39
